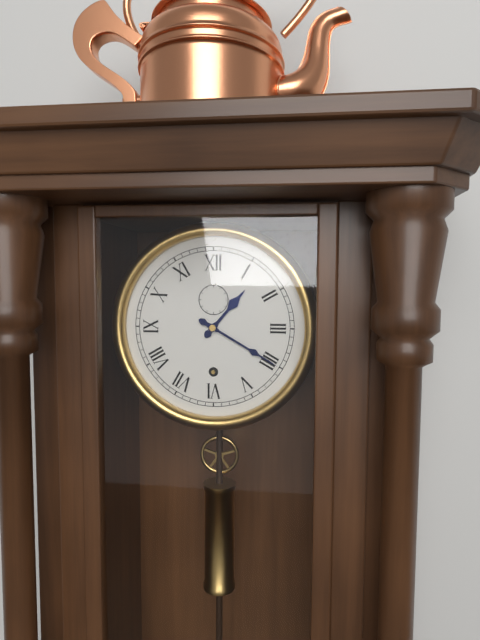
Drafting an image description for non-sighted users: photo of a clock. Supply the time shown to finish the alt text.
1:20
